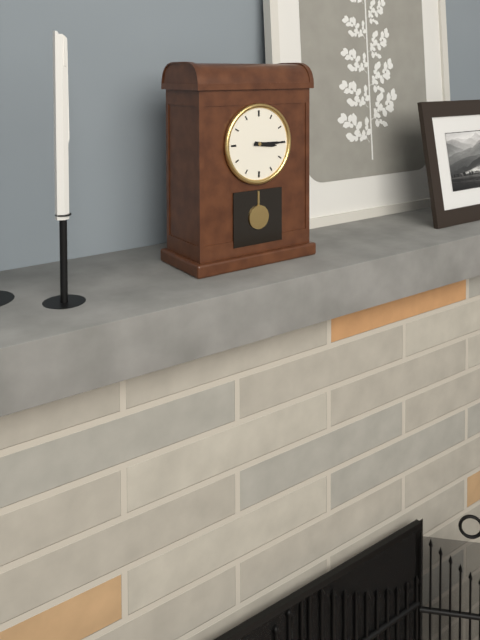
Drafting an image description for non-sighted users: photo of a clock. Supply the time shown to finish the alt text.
3:15
